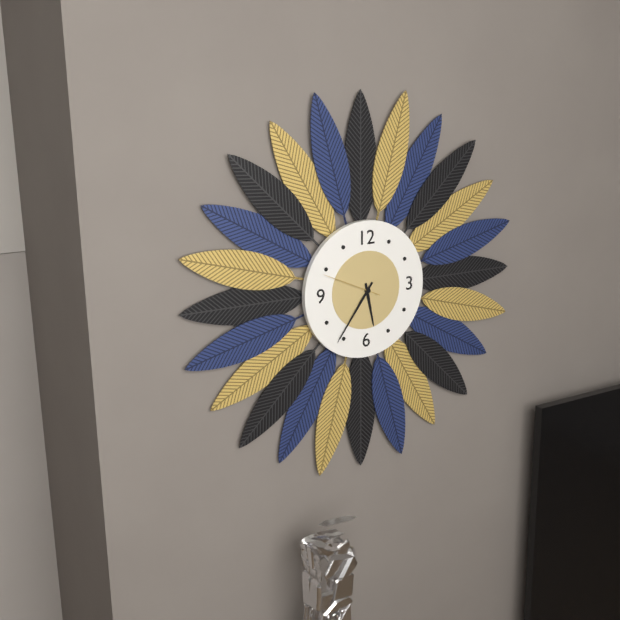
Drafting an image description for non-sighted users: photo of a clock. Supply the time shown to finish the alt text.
5:36:49
